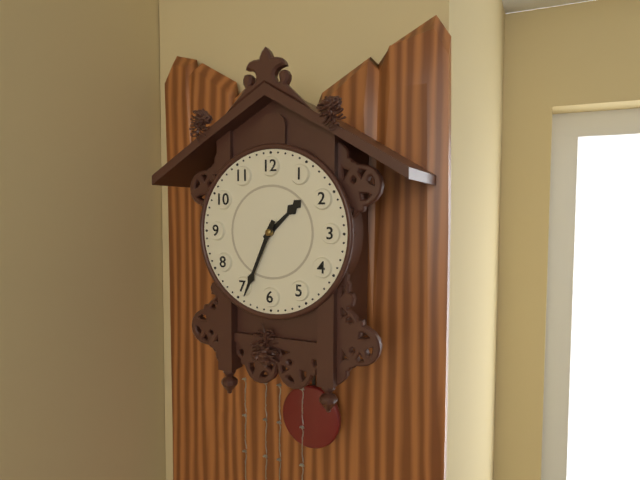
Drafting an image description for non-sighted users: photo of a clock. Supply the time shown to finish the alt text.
1:34
